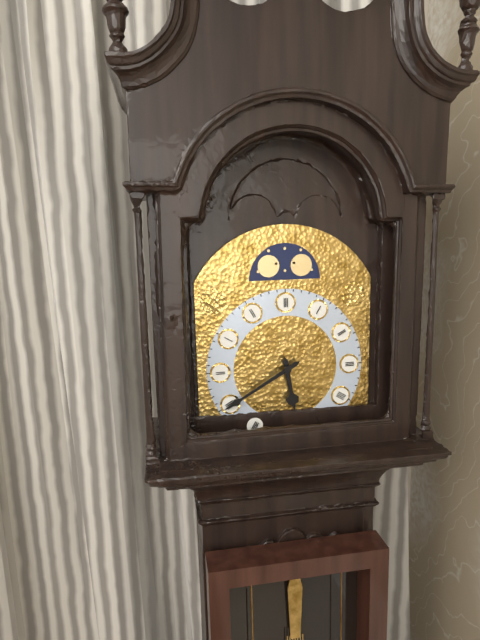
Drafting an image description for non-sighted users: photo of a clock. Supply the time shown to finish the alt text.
5:40
